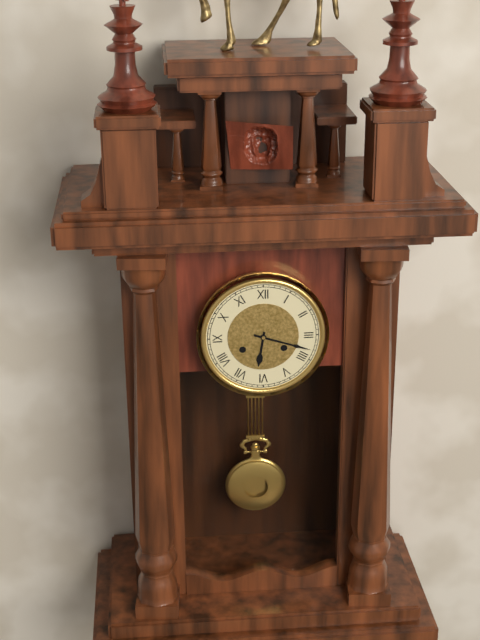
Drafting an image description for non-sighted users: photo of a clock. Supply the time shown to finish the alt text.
6:18
